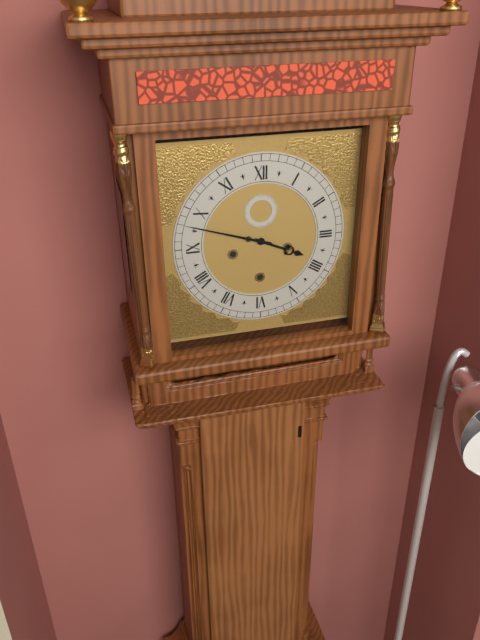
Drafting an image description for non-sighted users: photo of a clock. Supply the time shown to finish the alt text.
3:48
